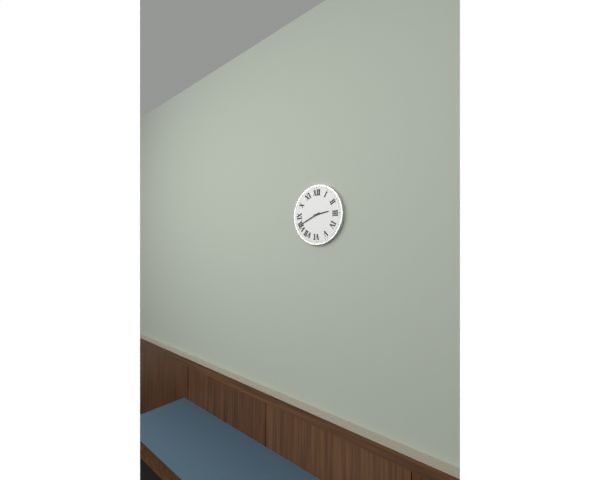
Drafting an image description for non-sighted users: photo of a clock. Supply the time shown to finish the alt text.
2:41
